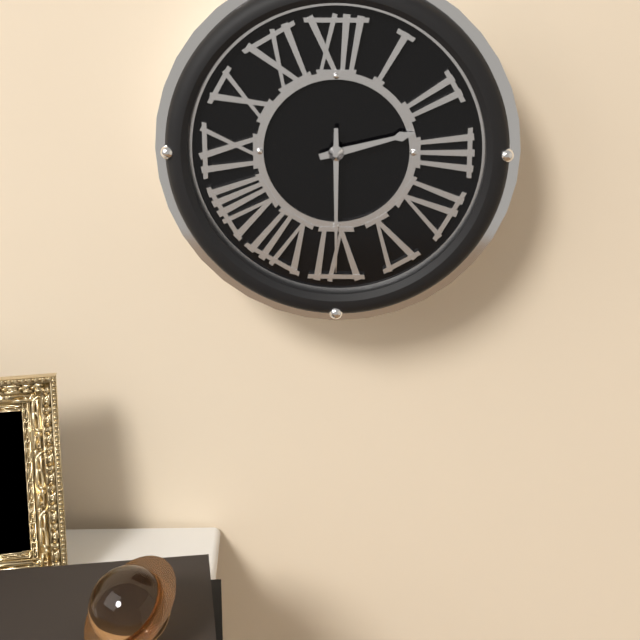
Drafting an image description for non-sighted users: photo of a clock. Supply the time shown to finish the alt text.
2:30
